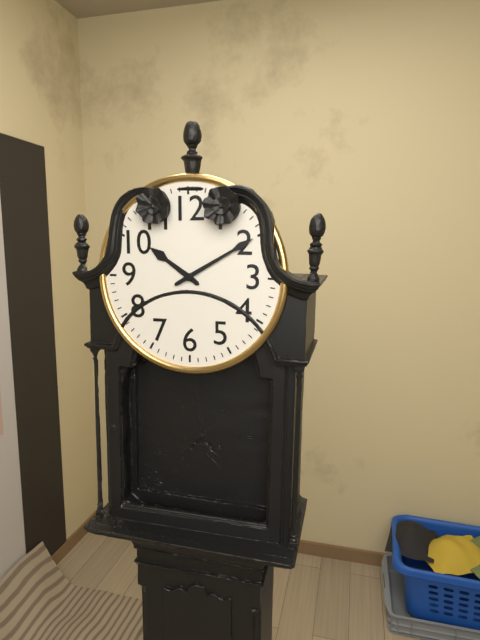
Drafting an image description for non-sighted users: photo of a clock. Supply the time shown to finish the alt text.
10:10
